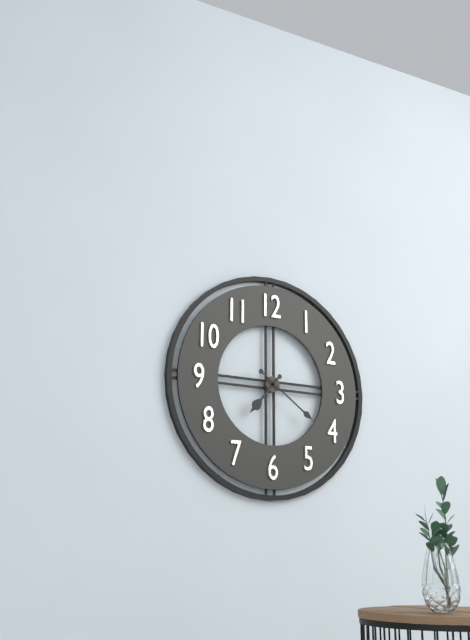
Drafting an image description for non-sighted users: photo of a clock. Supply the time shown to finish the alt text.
7:21
